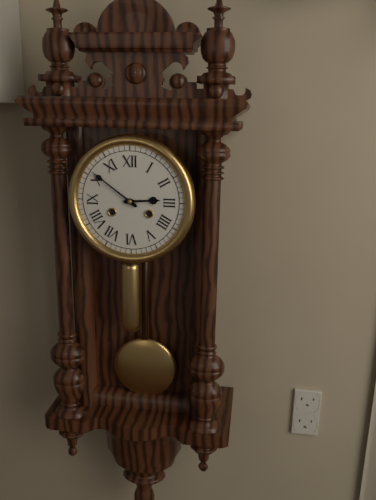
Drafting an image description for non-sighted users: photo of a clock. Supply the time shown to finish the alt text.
2:51
